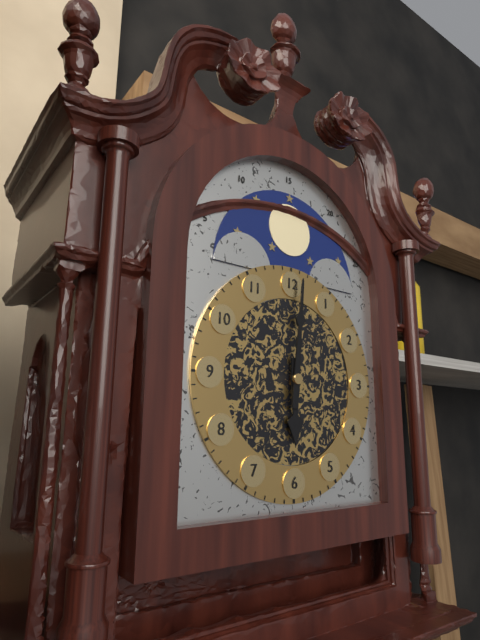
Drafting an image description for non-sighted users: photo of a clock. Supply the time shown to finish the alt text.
6:01
